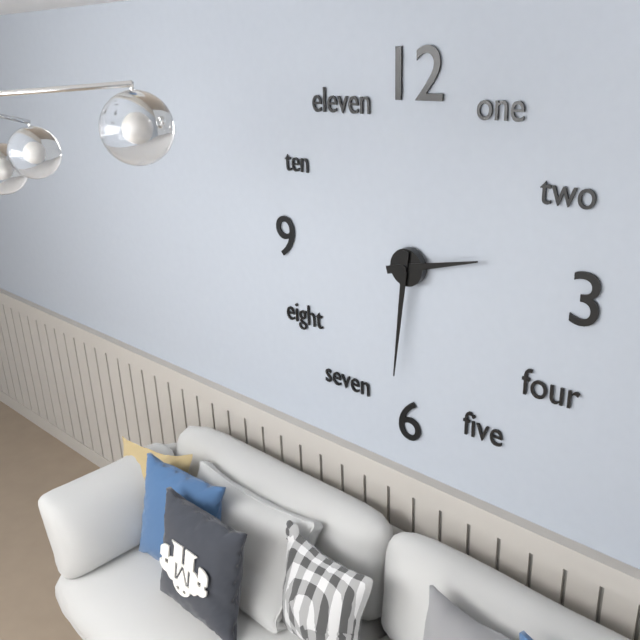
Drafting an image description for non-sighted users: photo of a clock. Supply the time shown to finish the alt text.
2:31
